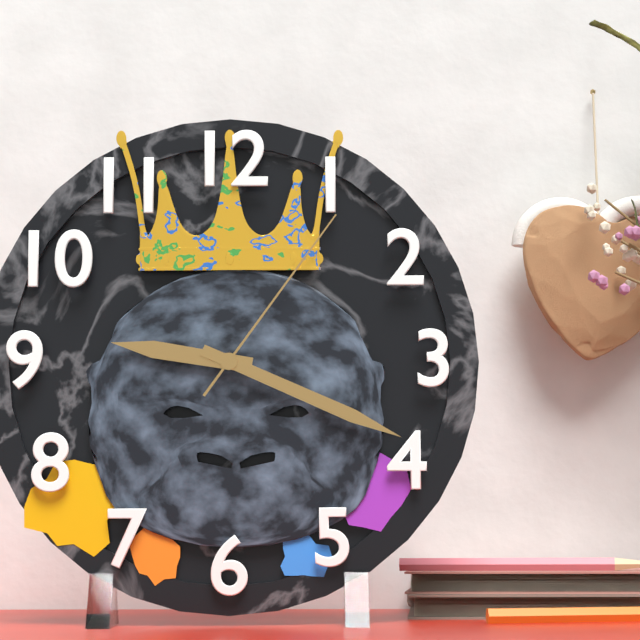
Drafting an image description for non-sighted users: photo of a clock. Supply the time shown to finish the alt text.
9:19:06
